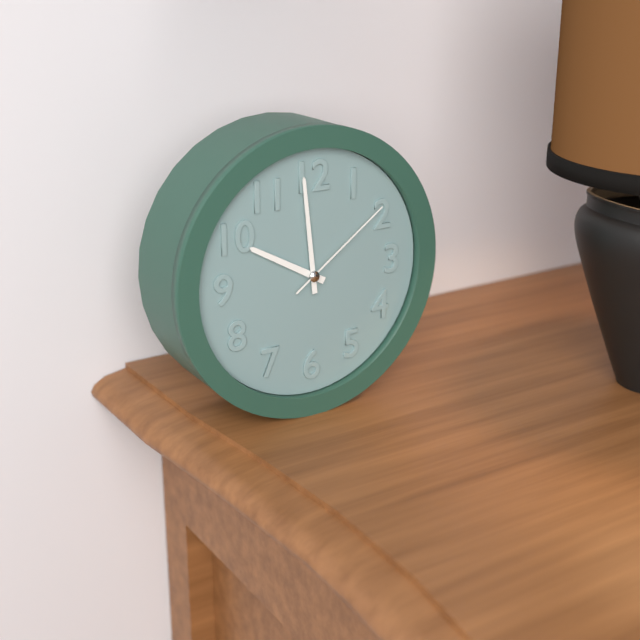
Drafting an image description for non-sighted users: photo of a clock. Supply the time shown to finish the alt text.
9:59:09
